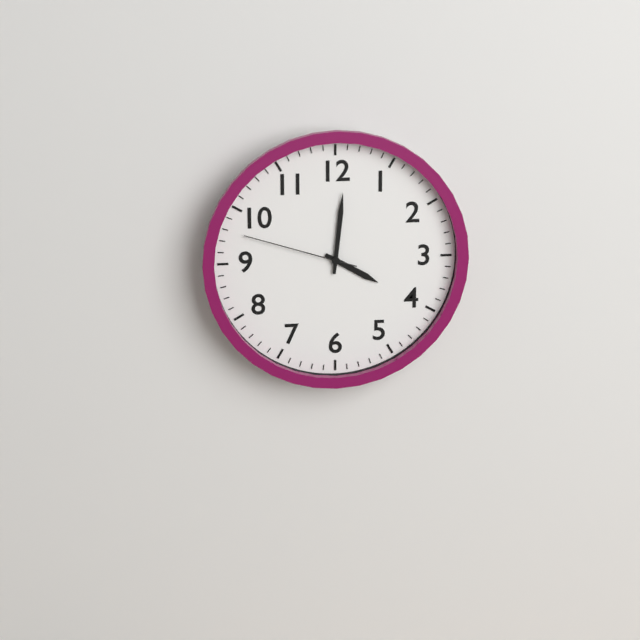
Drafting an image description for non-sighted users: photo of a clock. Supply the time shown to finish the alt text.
4:01:48
